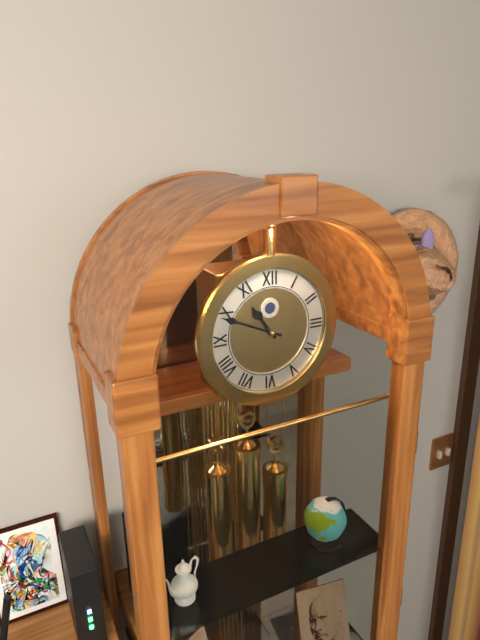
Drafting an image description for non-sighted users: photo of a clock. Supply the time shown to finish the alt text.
10:49
